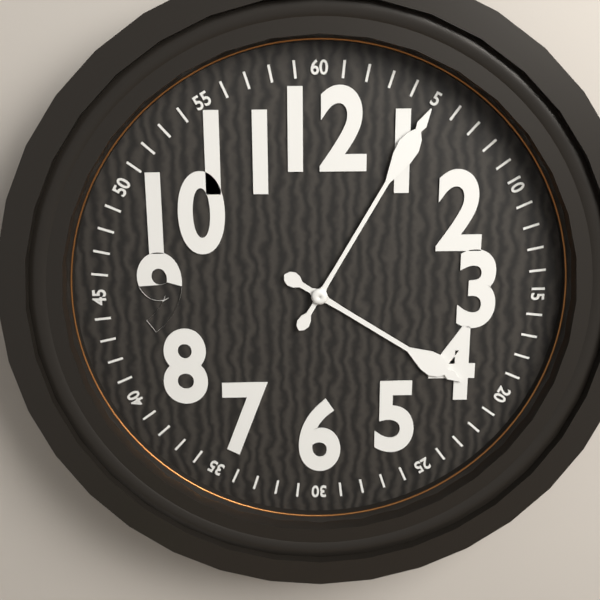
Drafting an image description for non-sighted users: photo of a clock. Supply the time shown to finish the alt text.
4:05
